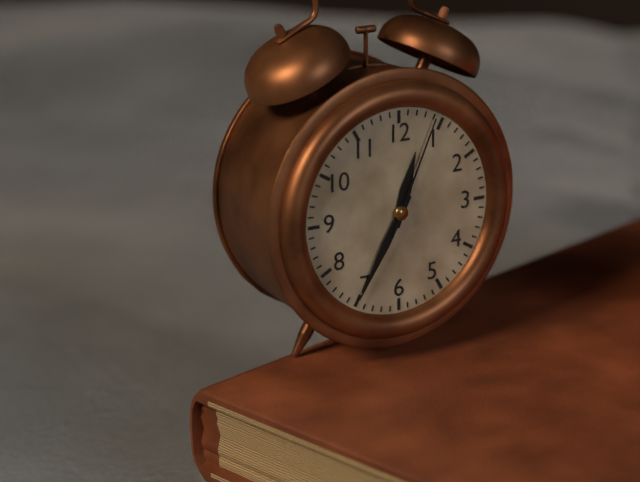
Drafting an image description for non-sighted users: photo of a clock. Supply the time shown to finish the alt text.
12:35:04
